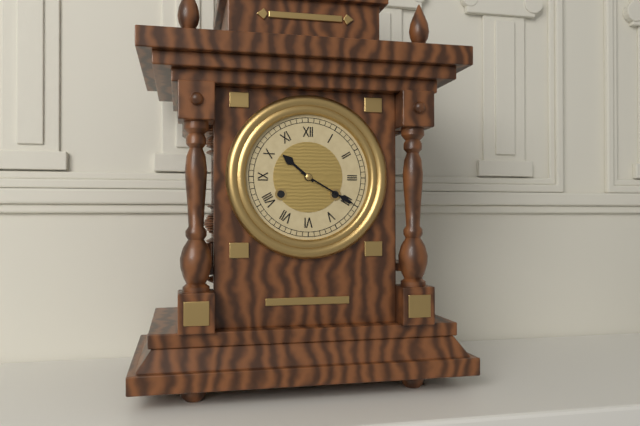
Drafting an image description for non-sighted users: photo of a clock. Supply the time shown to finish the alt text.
10:20
